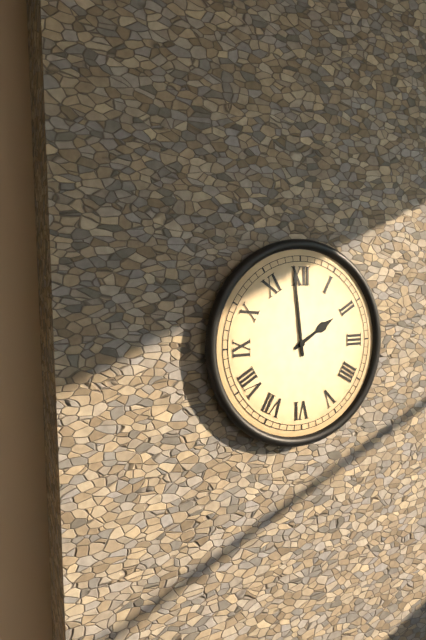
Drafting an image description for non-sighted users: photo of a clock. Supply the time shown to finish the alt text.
1:59
